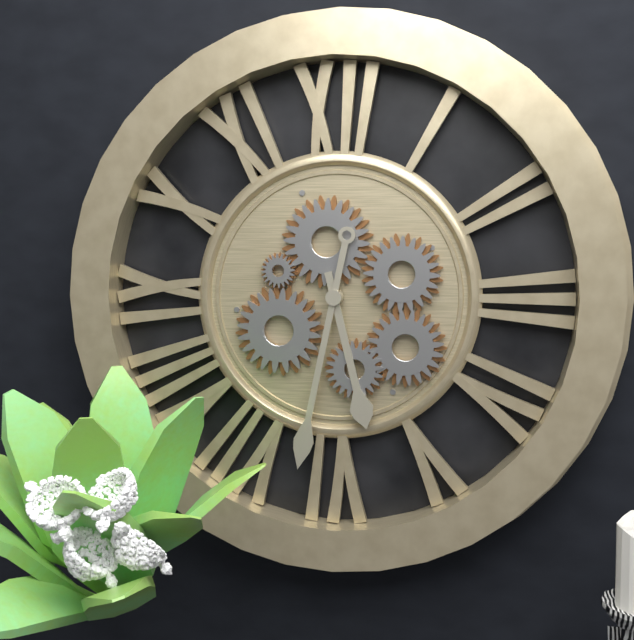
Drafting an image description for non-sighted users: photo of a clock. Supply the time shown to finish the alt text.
5:32
